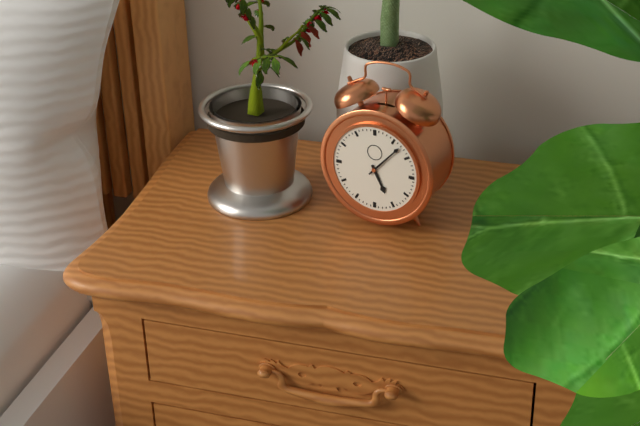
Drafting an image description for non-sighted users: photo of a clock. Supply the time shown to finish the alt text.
5:07
